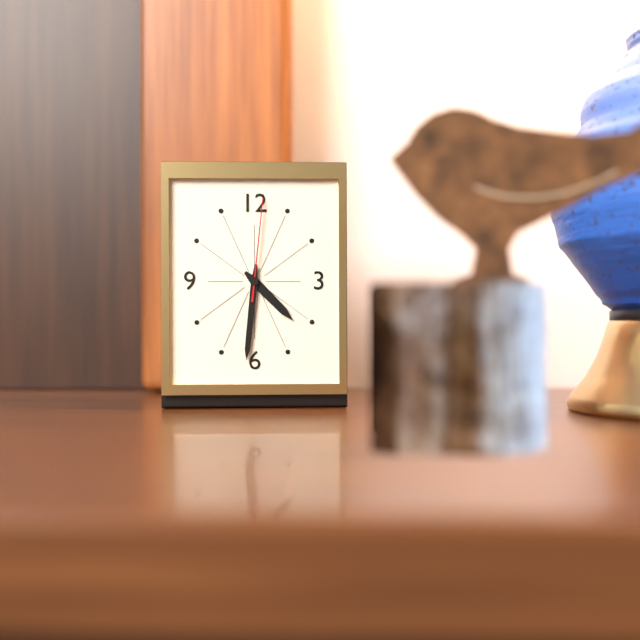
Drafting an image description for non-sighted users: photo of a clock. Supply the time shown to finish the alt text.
4:31:01
